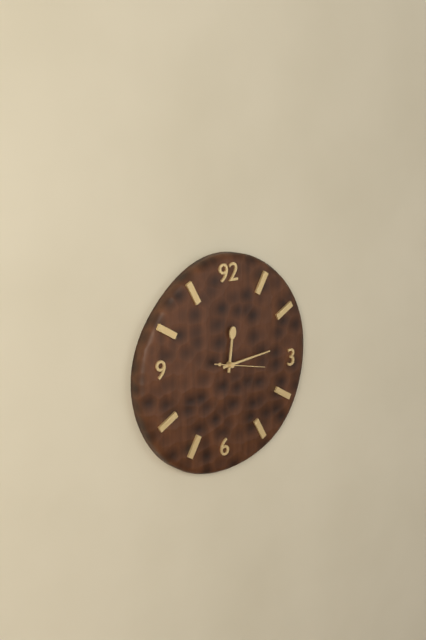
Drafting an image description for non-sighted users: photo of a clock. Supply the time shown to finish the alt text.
12:14:17
